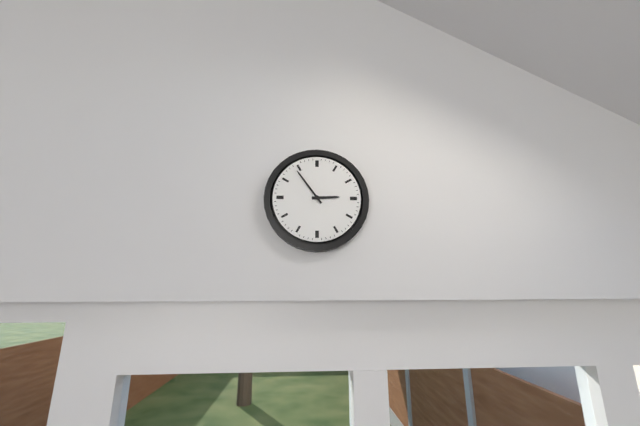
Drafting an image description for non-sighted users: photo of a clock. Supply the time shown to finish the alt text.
2:54
